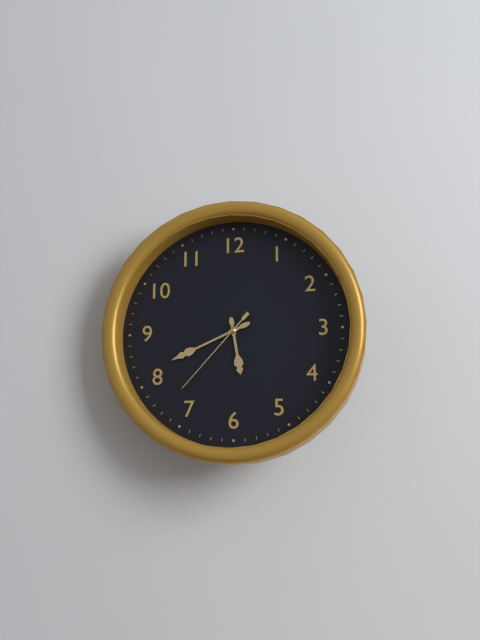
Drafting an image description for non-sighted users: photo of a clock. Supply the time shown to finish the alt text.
5:41:37
